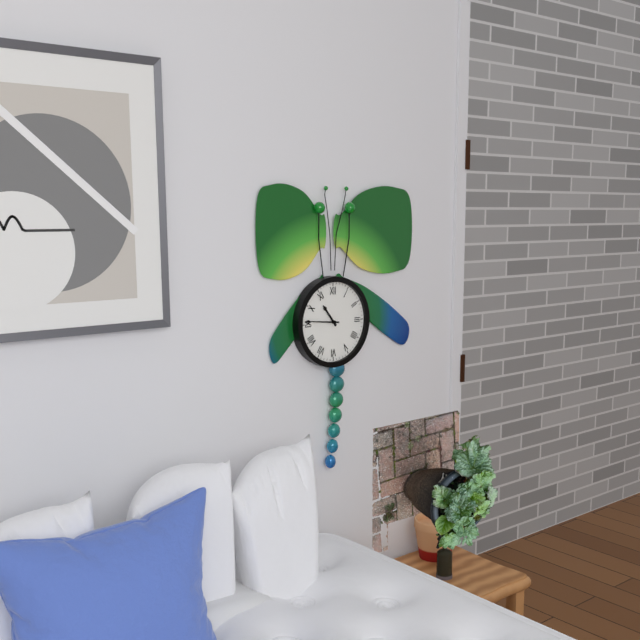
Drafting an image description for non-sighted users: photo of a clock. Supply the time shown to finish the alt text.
10:46
